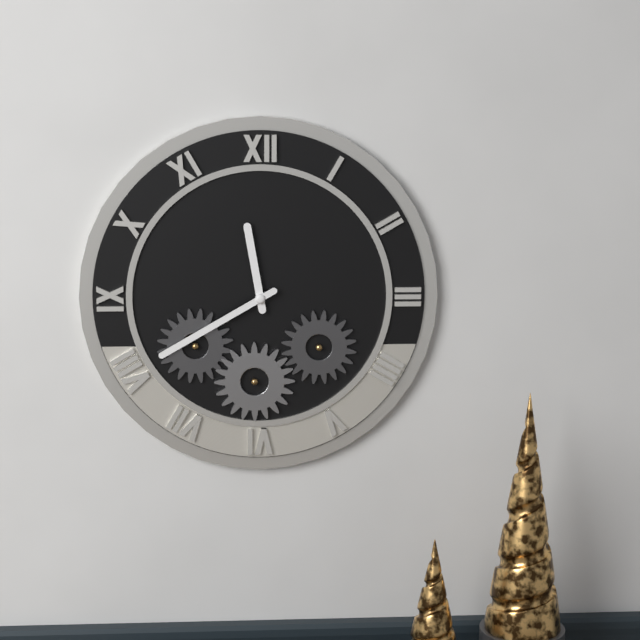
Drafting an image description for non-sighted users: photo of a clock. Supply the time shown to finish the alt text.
11:40
